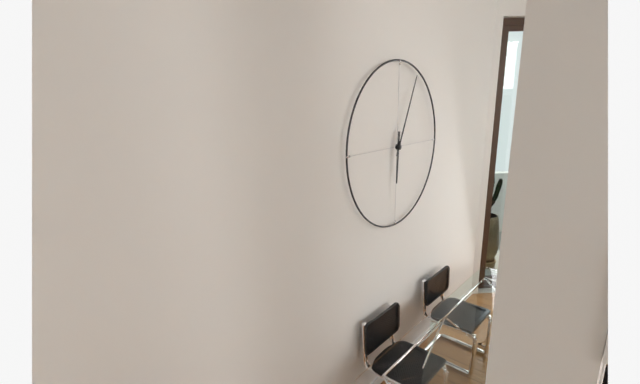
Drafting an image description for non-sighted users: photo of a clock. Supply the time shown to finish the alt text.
6:04
